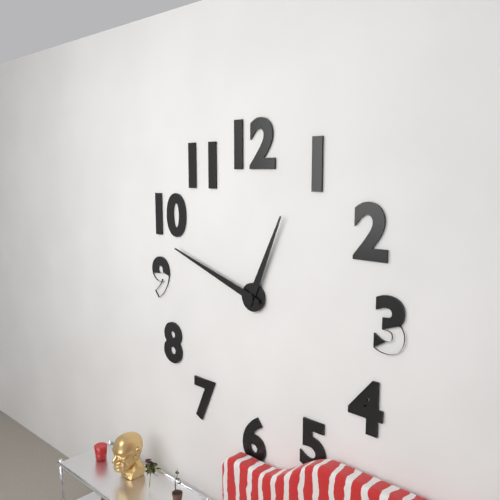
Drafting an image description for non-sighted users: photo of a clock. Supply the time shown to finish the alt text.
12:48
